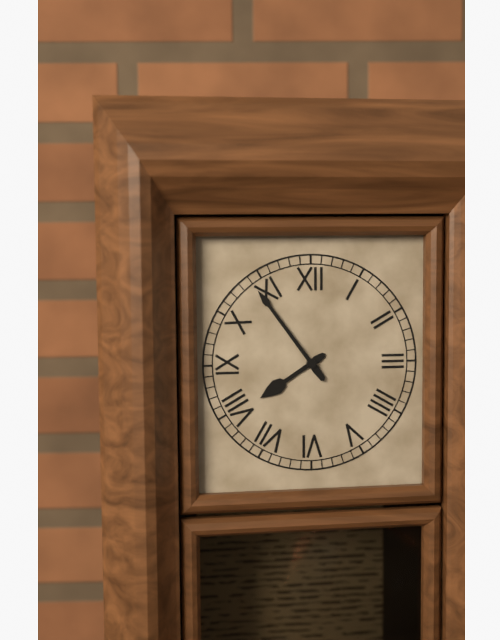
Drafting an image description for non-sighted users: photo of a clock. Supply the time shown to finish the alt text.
7:54
